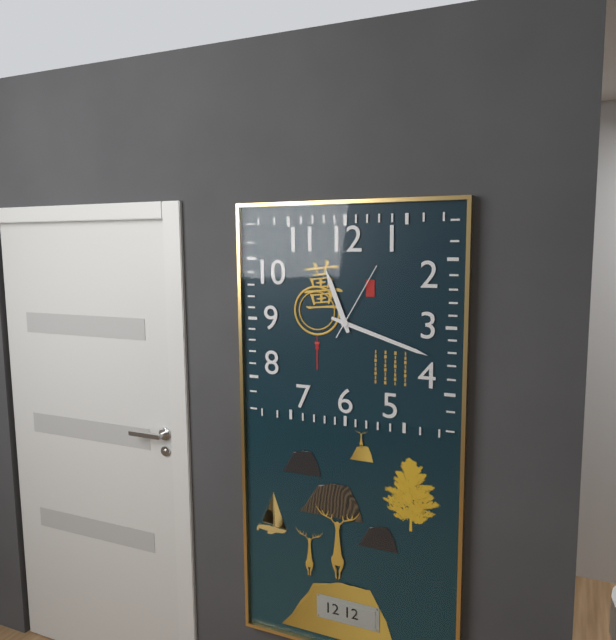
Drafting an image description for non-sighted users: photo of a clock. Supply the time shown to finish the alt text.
11:18:05
